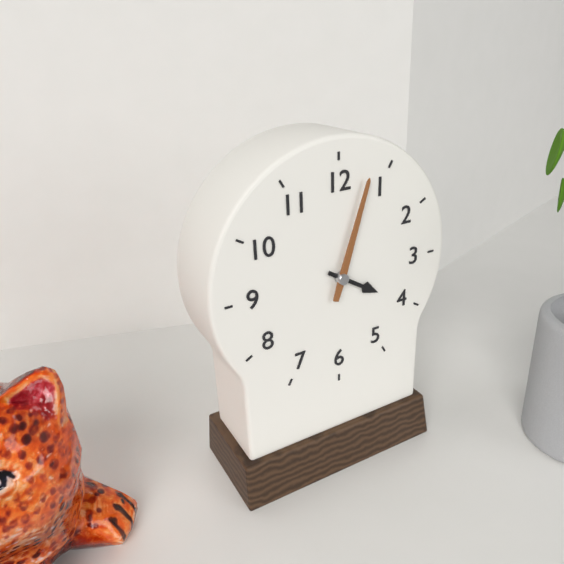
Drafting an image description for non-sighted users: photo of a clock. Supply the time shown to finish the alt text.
4:03
